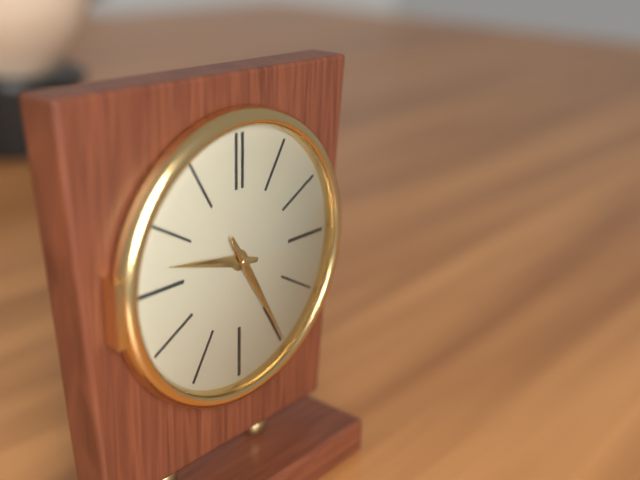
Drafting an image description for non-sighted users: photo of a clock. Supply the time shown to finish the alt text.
9:25
